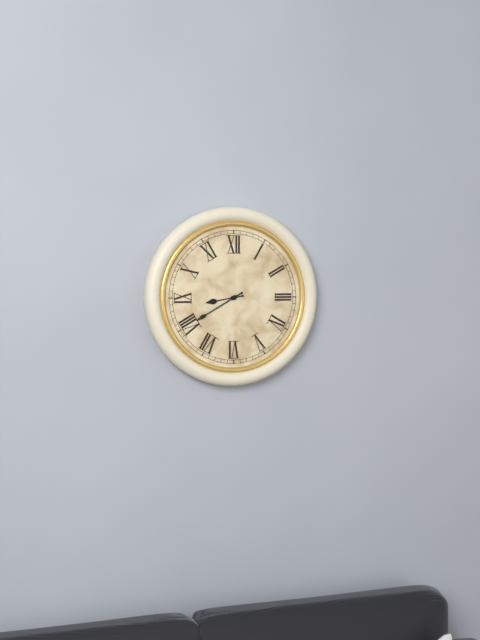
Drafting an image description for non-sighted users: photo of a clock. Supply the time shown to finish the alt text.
8:40
